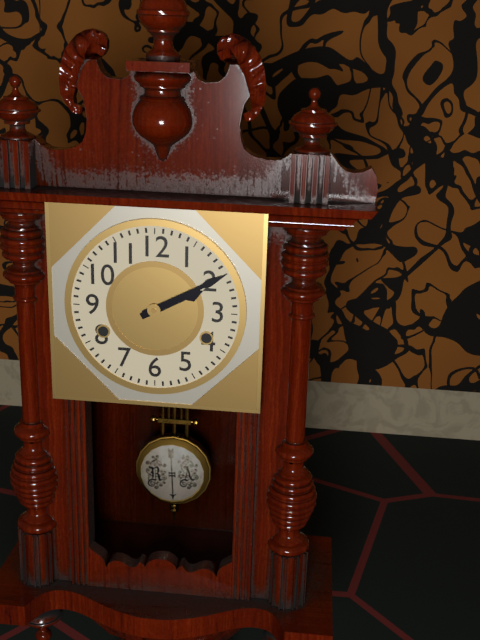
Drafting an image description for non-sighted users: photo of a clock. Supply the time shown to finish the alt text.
2:10
